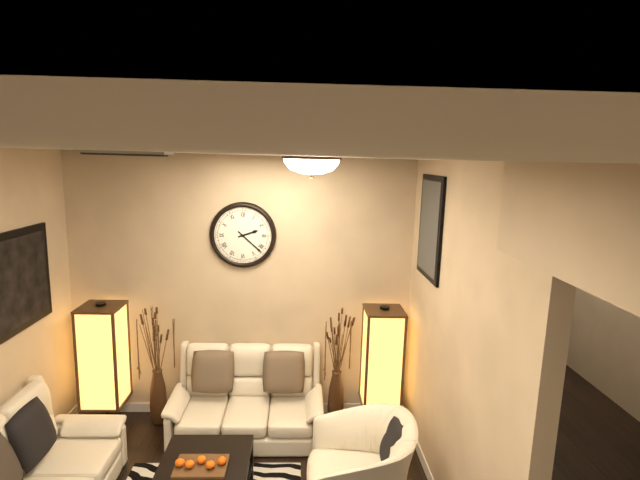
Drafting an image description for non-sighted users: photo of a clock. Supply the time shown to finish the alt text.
2:22
